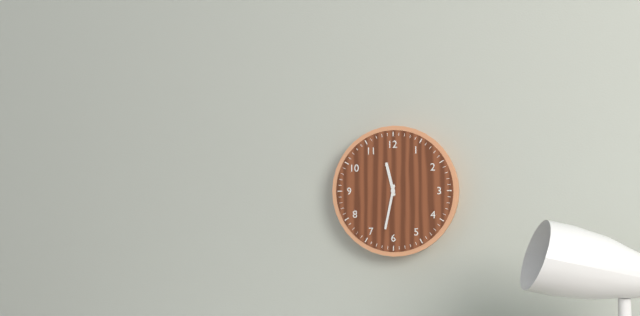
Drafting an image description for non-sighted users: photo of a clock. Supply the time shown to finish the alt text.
11:32
